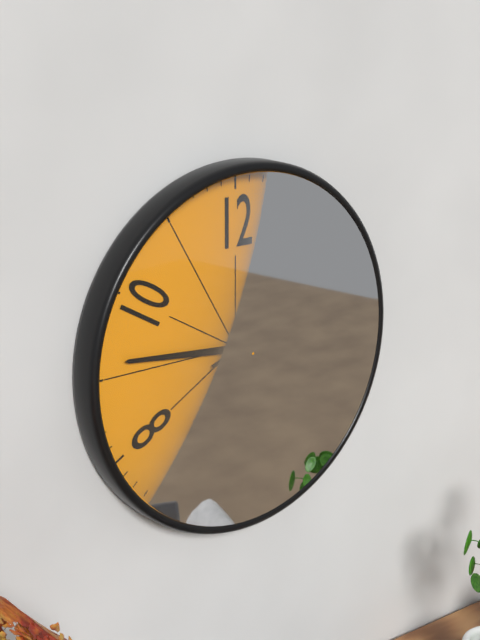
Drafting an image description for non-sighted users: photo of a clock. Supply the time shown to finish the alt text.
12:46:12
